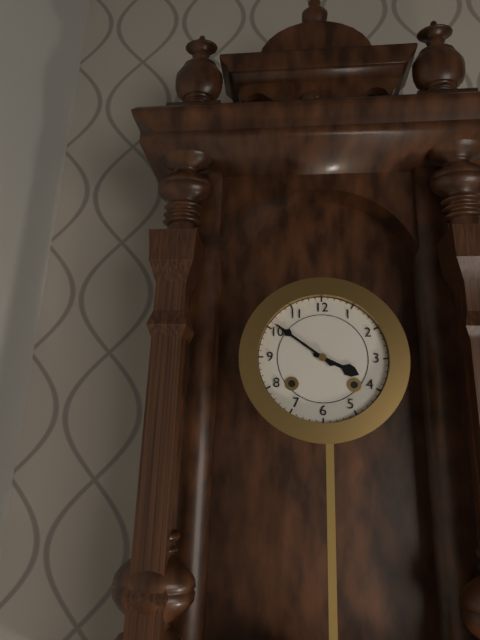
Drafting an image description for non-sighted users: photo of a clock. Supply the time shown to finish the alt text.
3:51
